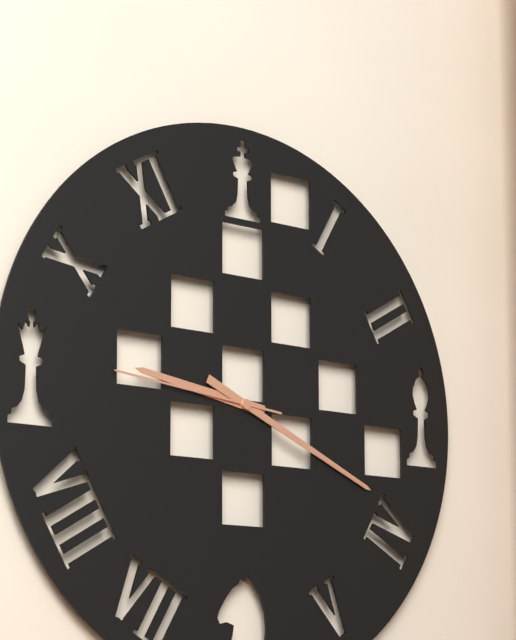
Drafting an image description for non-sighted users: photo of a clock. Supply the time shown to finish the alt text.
9:19:46
